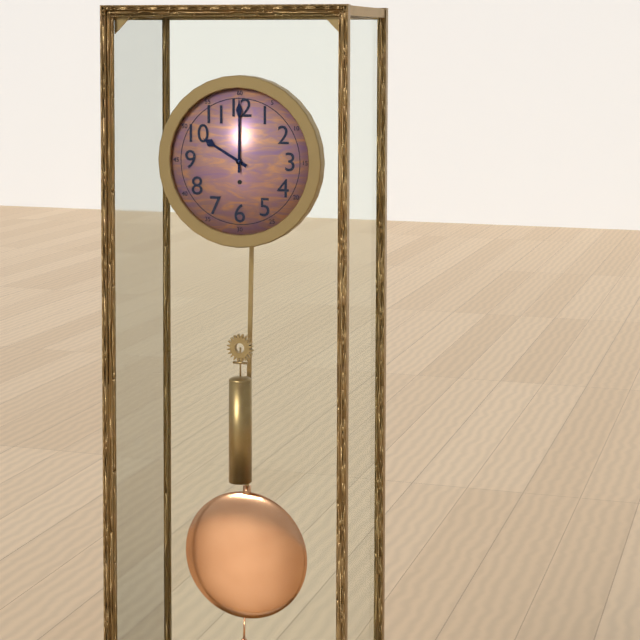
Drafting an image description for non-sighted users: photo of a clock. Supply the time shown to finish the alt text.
10:00
